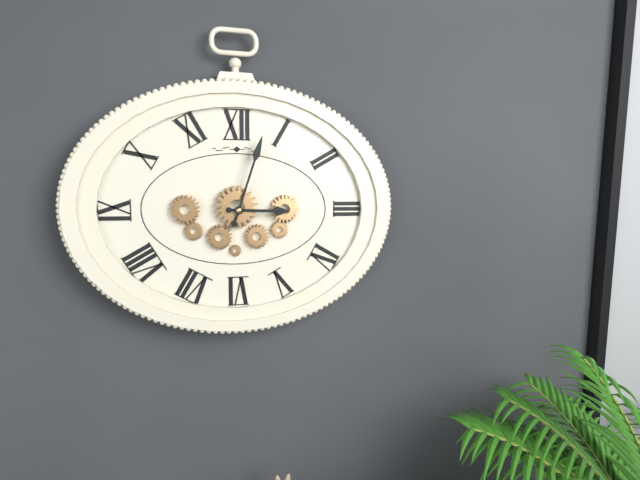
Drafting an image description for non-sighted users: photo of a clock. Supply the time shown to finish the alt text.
3:03
